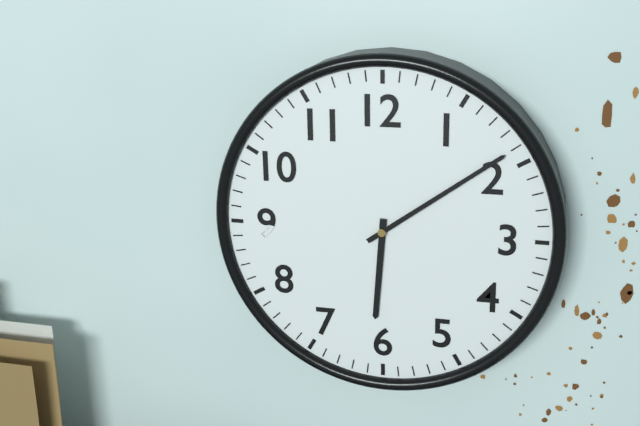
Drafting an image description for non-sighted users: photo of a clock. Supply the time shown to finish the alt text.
6:09
